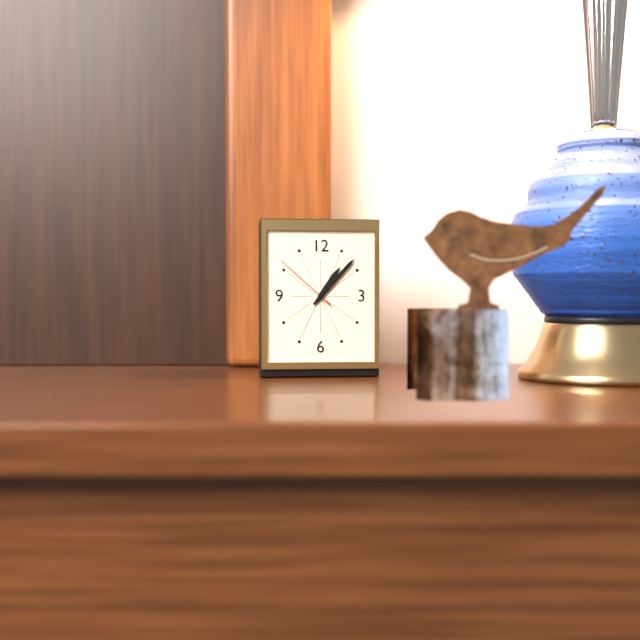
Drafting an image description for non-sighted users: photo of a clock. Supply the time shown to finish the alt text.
1:07:52
